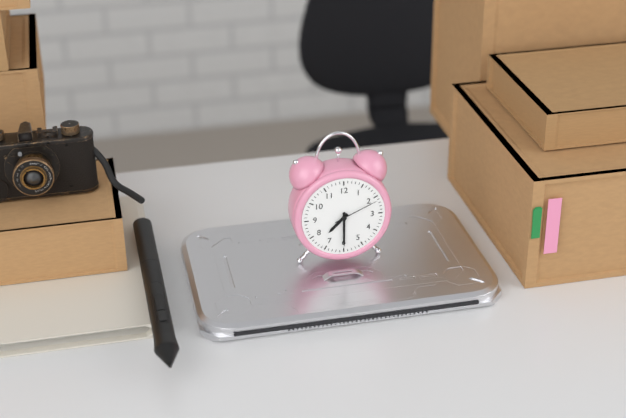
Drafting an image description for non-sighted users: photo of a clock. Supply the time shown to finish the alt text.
7:30
